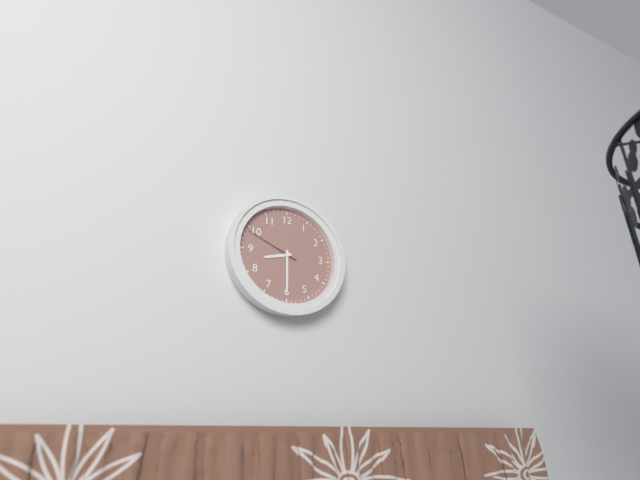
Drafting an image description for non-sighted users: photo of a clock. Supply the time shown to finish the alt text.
8:30:49
